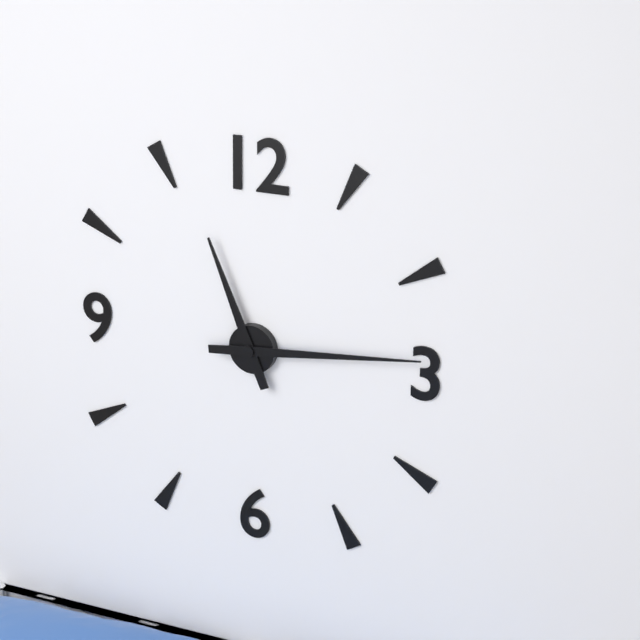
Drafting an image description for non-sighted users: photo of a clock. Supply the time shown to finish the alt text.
11:14
